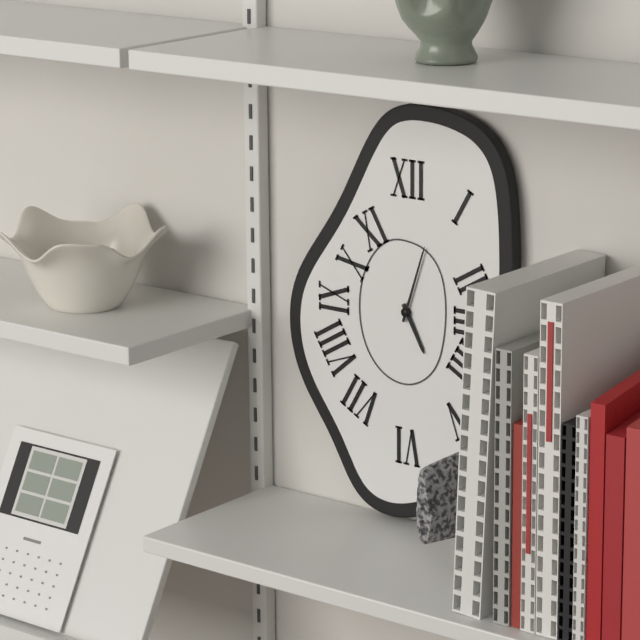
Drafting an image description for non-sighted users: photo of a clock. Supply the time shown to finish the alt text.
5:03
